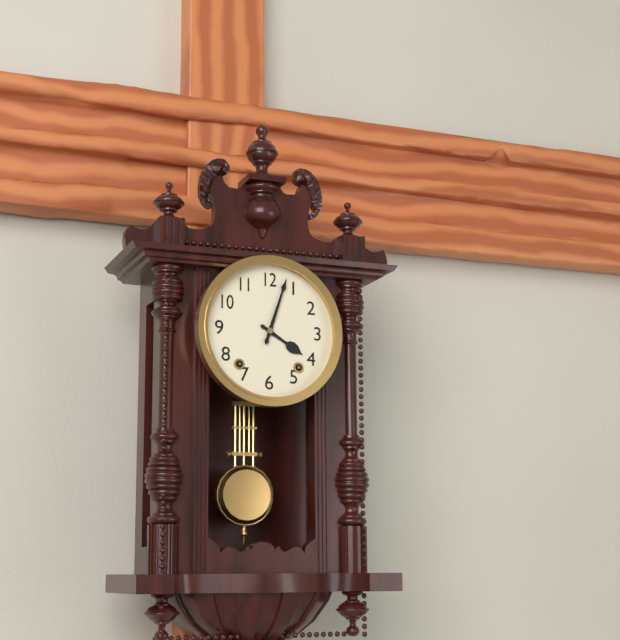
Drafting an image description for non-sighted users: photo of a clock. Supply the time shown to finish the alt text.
4:03
